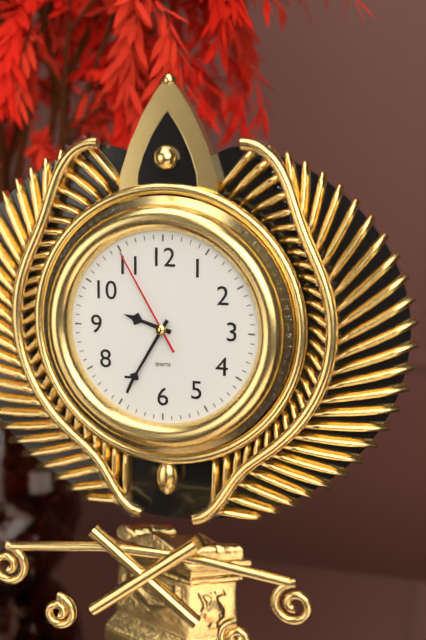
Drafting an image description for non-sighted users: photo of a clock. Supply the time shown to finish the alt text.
9:35:55
